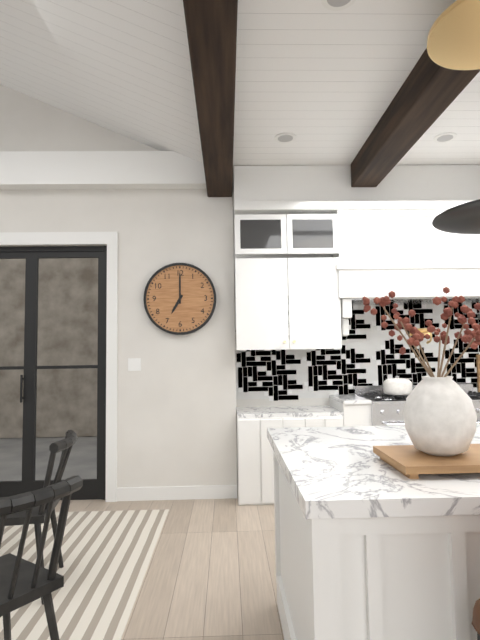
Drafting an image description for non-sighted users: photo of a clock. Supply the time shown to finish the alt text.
7:00
